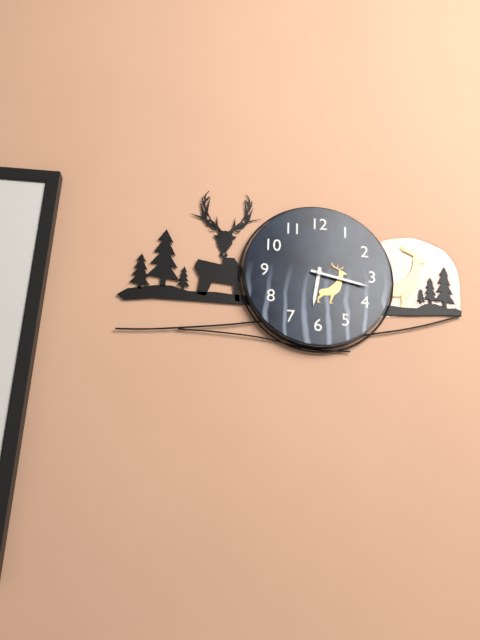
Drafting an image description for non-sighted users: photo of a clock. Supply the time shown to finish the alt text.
6:17
